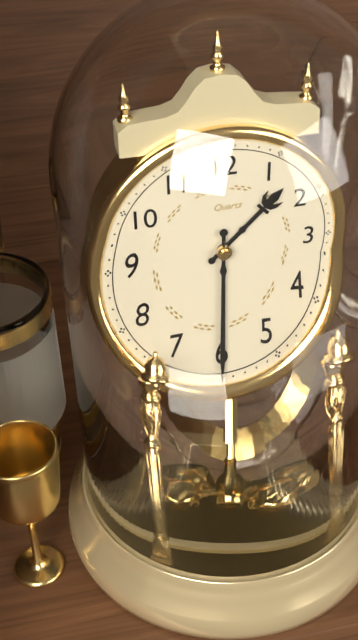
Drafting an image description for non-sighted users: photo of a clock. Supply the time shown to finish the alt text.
1:30
